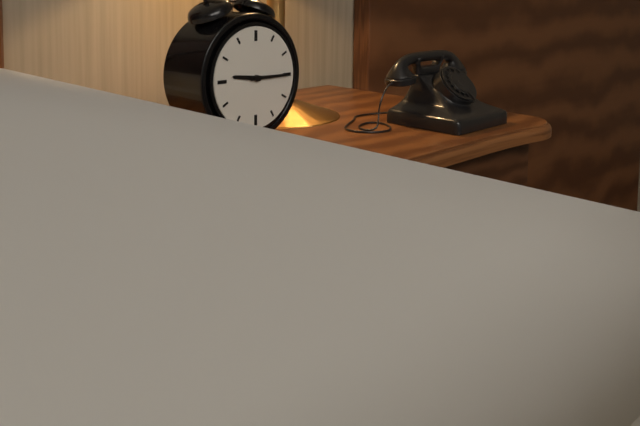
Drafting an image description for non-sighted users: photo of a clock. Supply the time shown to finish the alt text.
9:15
